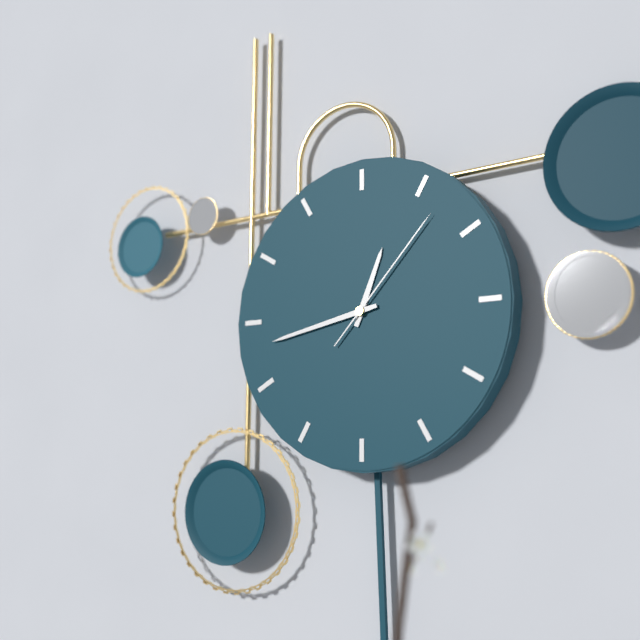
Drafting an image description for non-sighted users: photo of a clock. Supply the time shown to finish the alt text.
12:43:07
